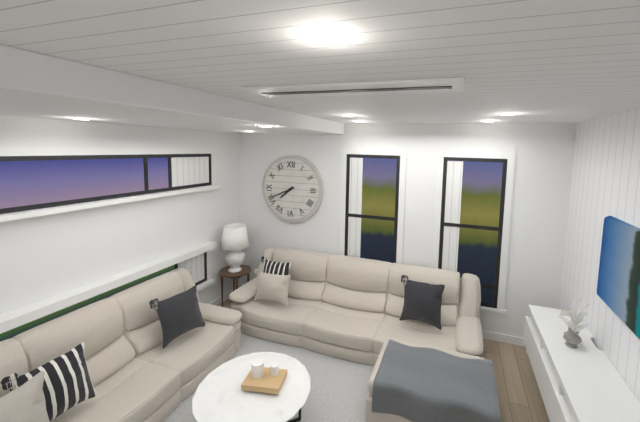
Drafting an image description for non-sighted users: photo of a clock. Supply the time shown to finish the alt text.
7:41
